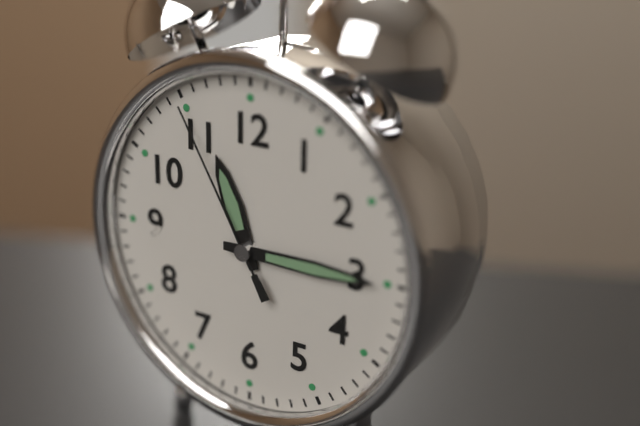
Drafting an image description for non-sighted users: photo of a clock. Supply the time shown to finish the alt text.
11:15:55
